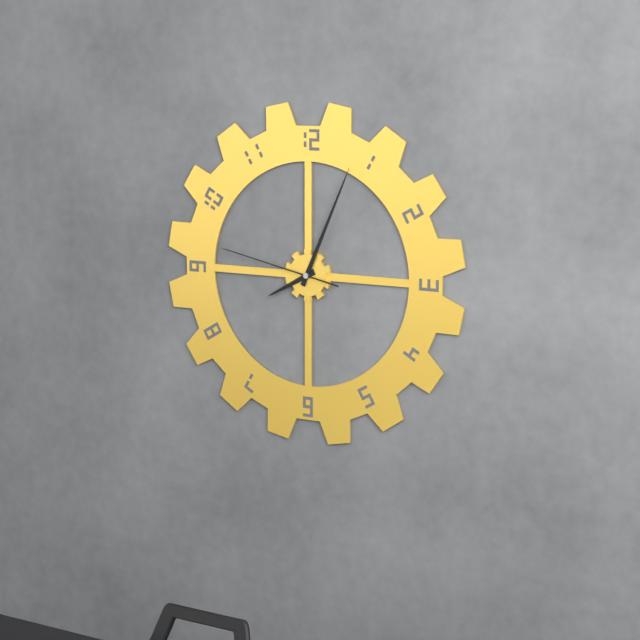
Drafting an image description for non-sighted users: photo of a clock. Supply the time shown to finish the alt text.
8:04:47
